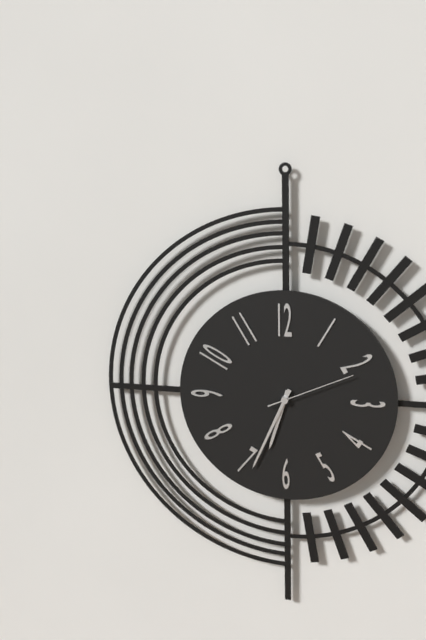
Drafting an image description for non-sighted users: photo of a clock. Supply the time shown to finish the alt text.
6:34:11
